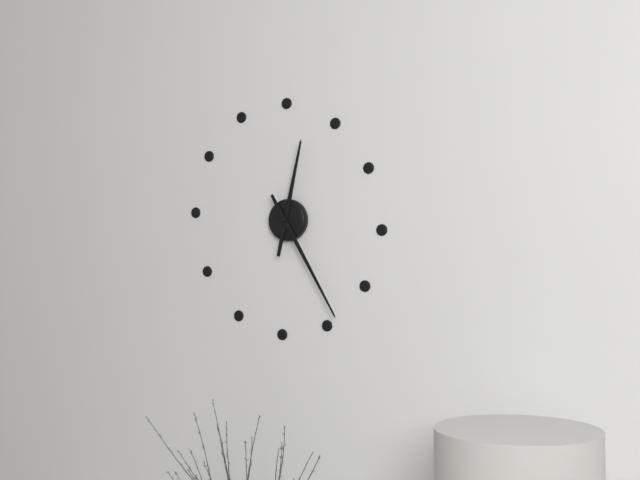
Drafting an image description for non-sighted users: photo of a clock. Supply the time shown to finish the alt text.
12:25
